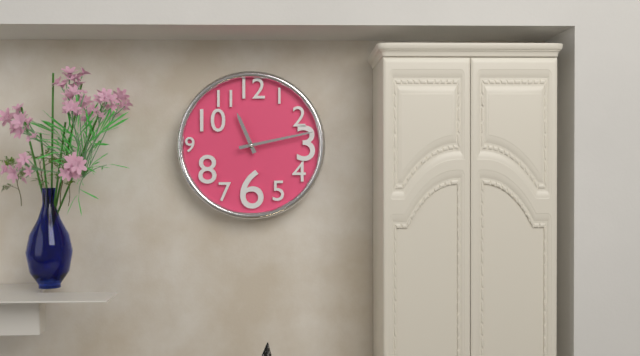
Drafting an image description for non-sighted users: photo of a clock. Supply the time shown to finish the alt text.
11:13
